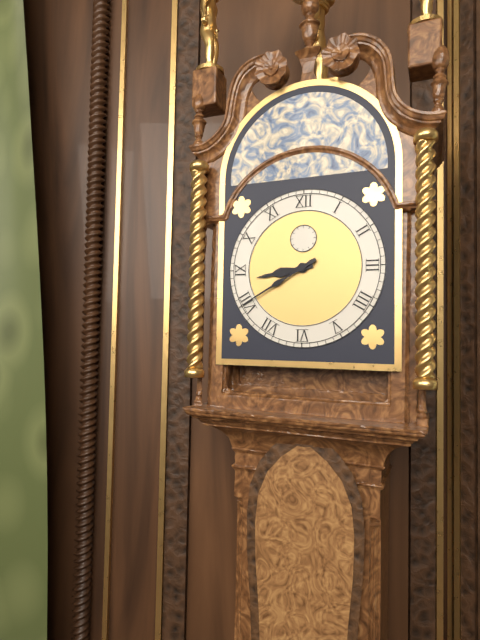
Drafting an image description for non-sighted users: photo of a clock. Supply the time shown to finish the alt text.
8:40
